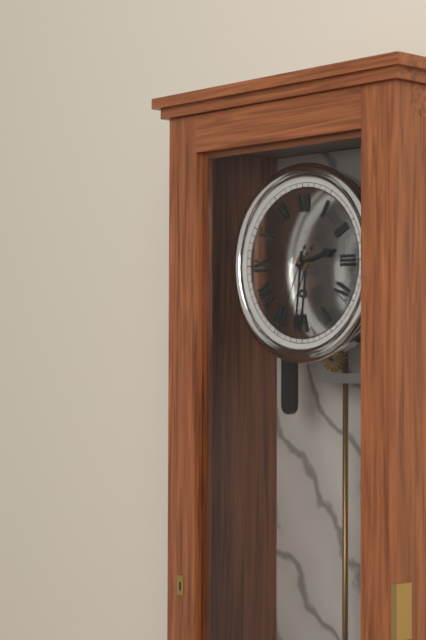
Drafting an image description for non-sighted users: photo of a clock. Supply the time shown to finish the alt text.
2:31:34
